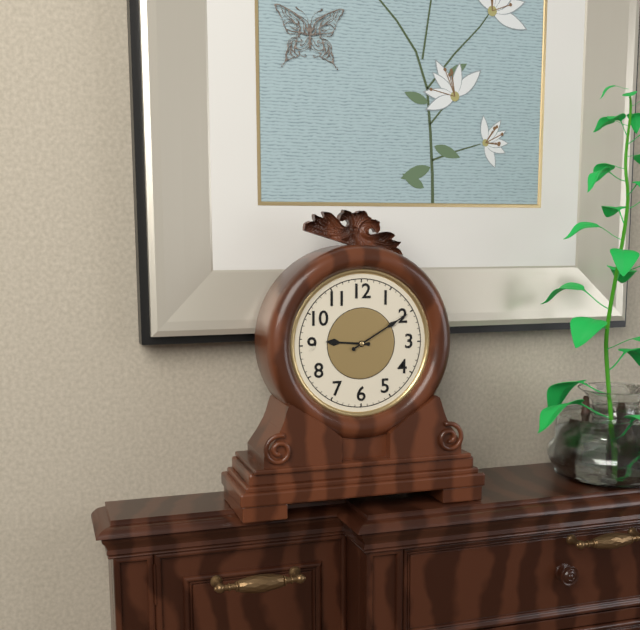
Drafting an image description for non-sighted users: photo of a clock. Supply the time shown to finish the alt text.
9:10
